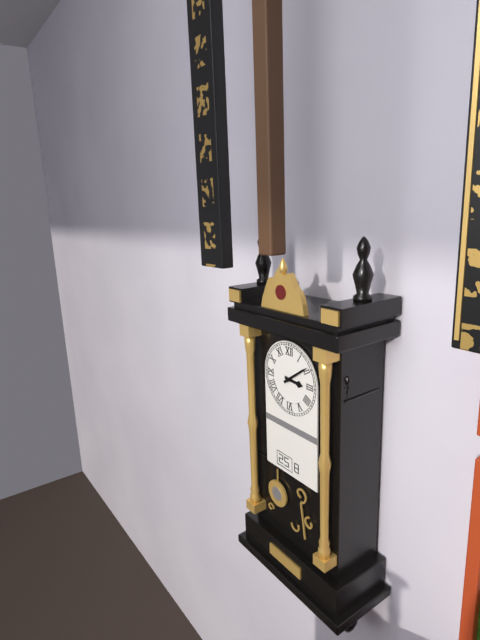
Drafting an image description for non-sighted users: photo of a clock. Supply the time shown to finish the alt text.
3:09
